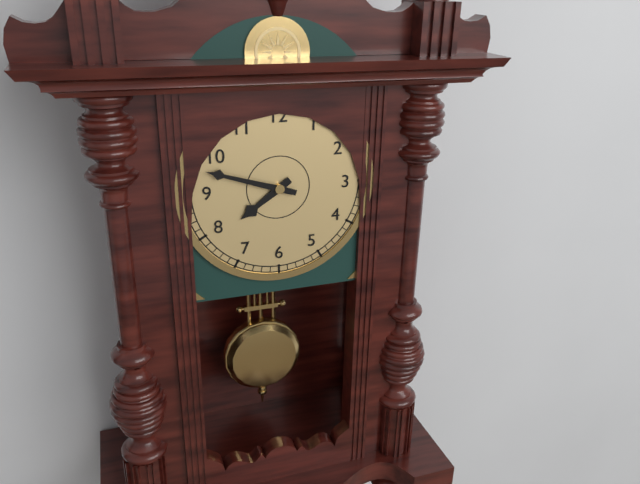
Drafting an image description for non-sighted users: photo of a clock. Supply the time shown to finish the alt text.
7:48
